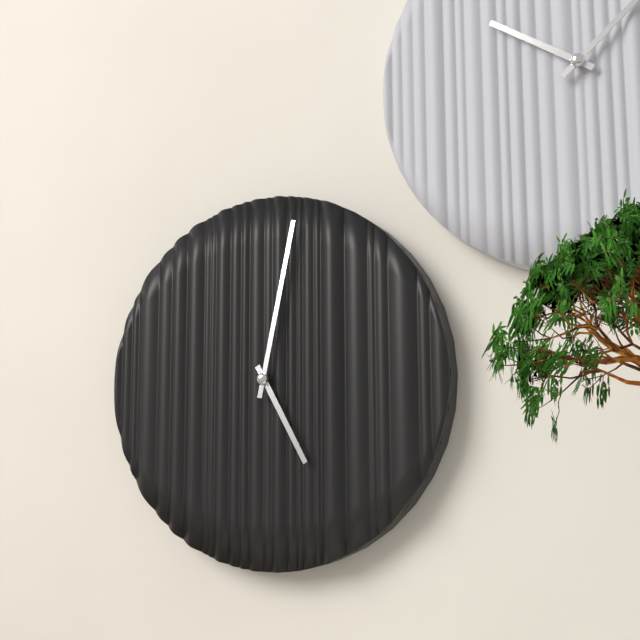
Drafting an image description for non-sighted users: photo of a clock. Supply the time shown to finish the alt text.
5:02
